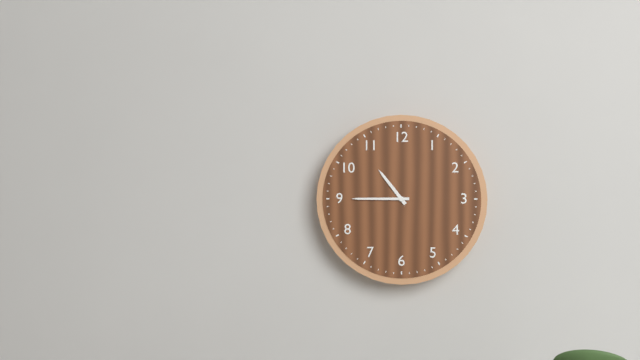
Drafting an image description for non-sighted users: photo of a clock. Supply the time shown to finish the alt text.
10:45
